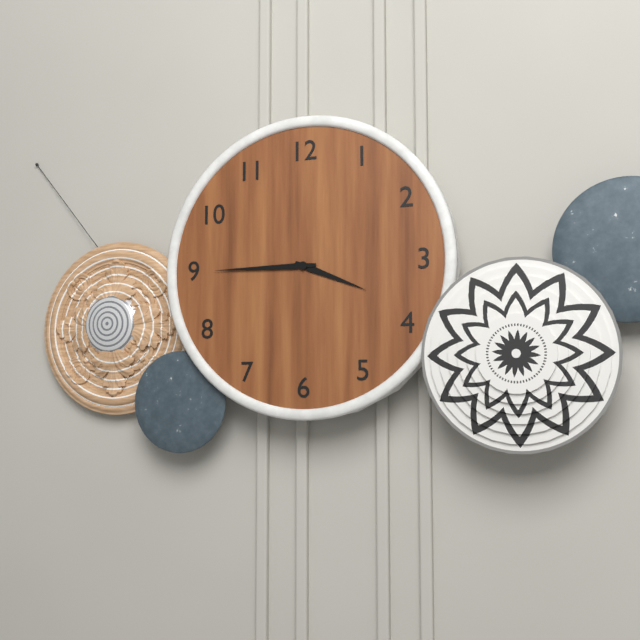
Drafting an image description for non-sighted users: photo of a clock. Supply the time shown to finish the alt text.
3:45
